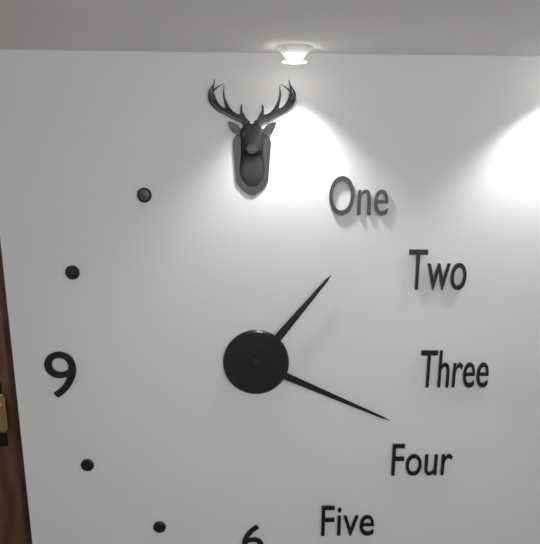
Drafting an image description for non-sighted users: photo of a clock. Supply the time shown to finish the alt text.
1:19
